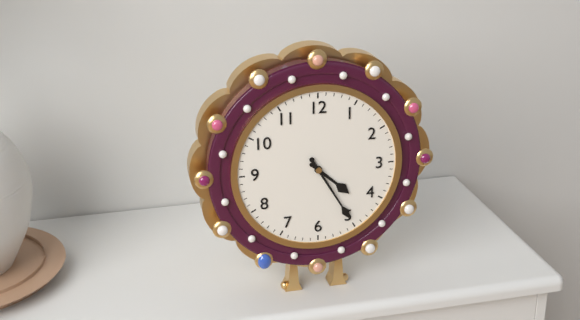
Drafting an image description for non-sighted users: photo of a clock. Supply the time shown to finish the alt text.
4:25
